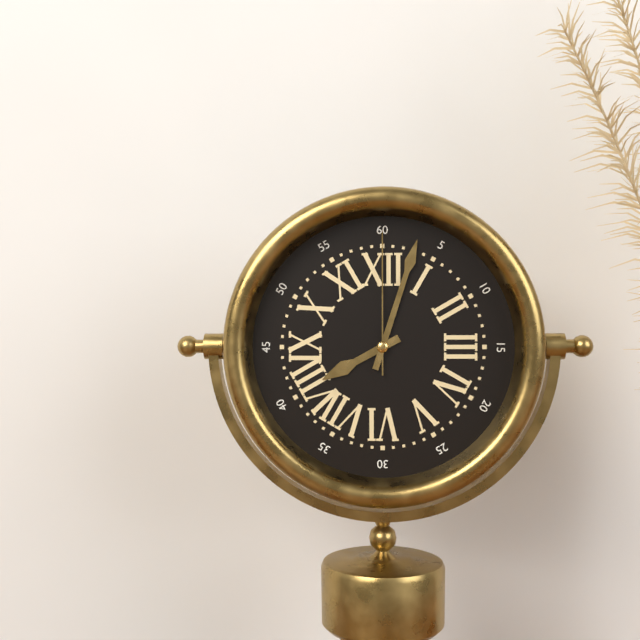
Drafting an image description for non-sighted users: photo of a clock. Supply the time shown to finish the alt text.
8:03:00
